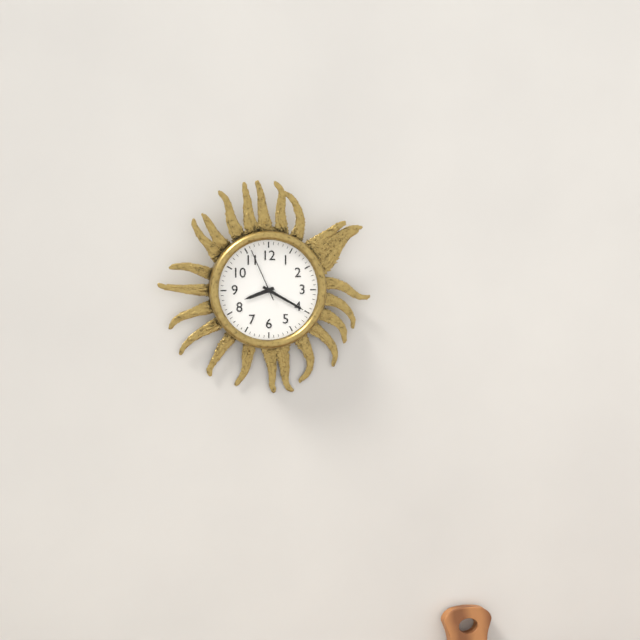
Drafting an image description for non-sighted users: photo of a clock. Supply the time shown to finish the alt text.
8:20:56
